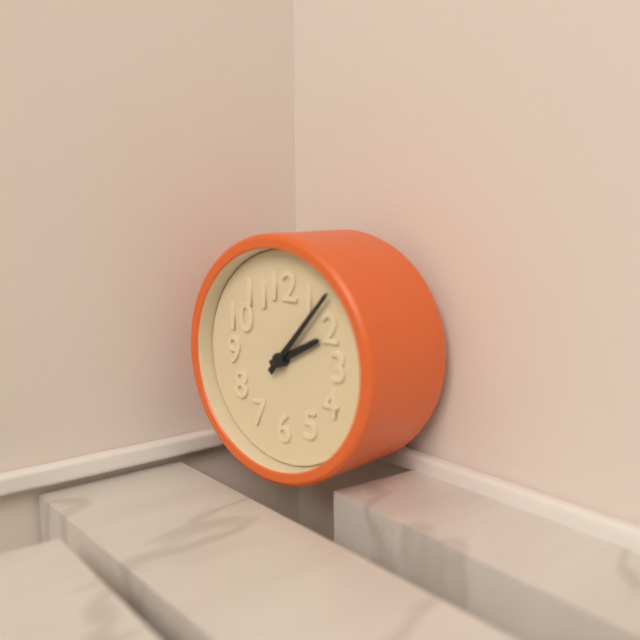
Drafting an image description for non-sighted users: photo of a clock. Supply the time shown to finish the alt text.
2:07
